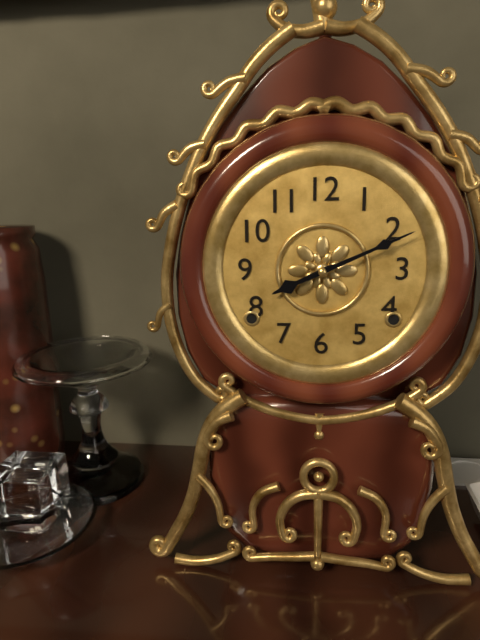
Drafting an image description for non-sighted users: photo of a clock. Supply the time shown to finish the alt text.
8:11
